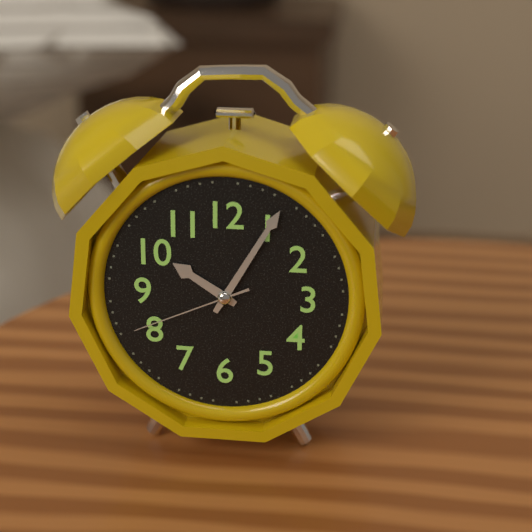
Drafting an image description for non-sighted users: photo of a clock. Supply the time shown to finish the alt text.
10:05:41
